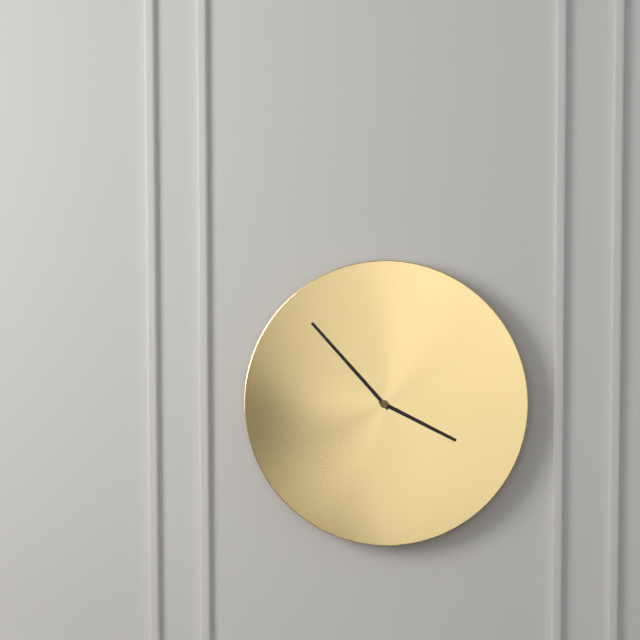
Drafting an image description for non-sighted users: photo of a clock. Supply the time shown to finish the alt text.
3:53
